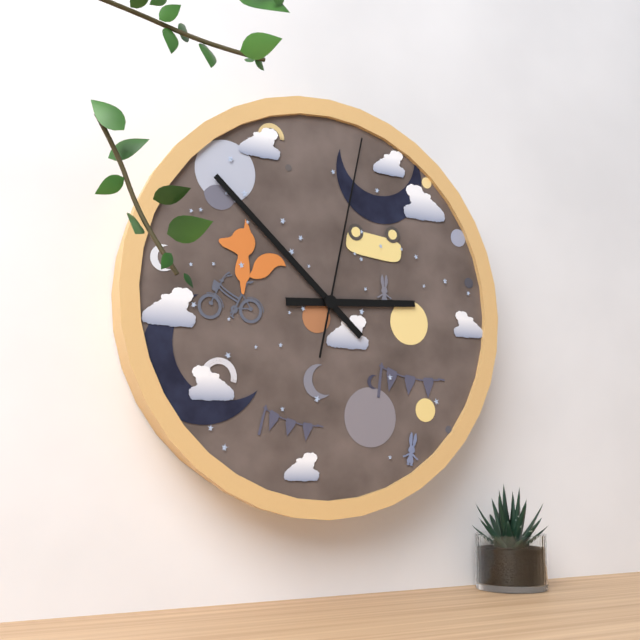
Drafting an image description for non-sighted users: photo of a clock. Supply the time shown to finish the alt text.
2:52:02
